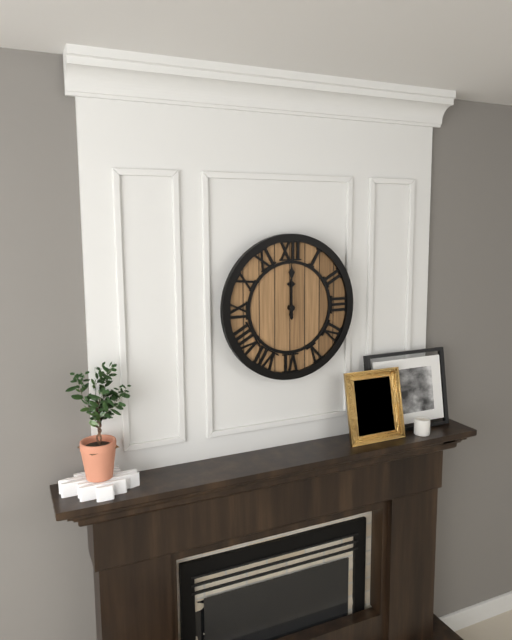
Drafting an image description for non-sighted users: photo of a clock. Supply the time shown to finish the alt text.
12:00
